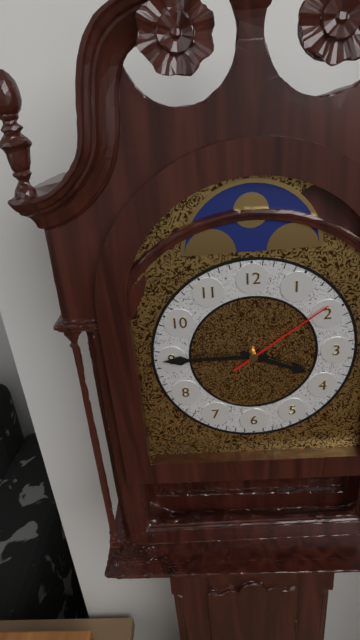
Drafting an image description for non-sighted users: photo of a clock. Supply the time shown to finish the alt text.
3:45:09
